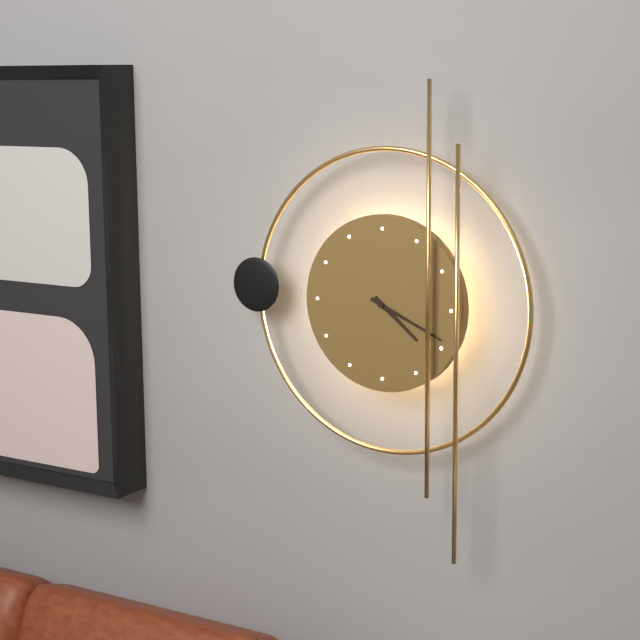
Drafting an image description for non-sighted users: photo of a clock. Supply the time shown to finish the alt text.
4:19
